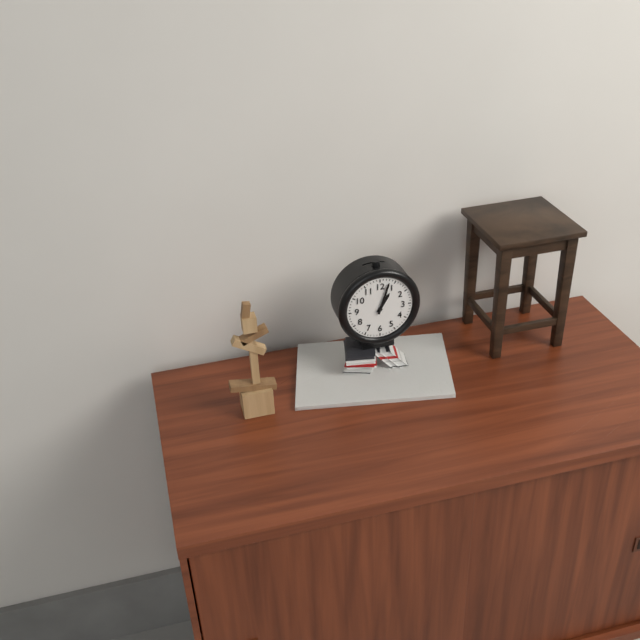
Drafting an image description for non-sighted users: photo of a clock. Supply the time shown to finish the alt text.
1:03
